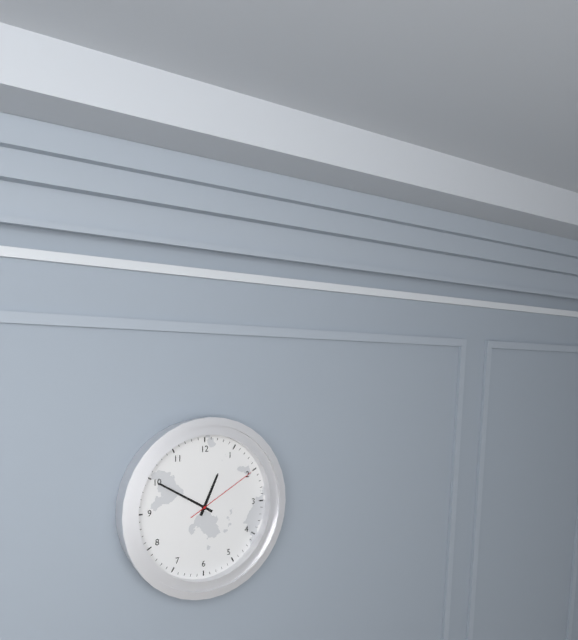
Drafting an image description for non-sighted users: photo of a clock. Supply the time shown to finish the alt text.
12:50:10
